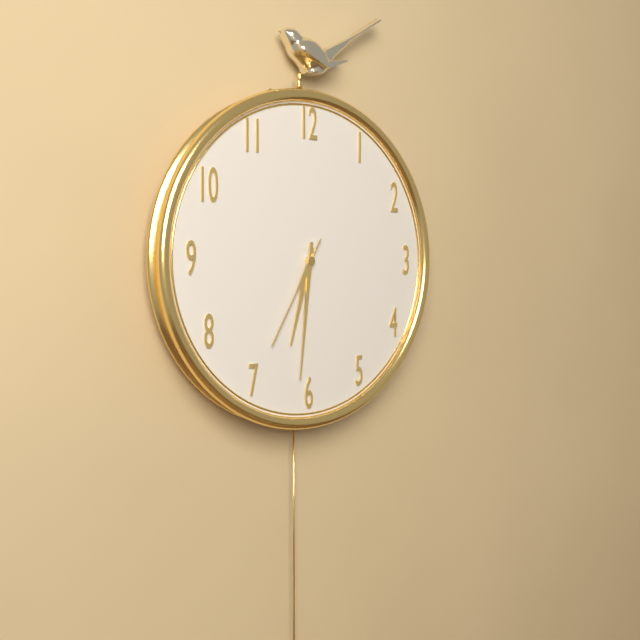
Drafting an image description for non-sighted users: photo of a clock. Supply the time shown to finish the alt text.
6:31:35
